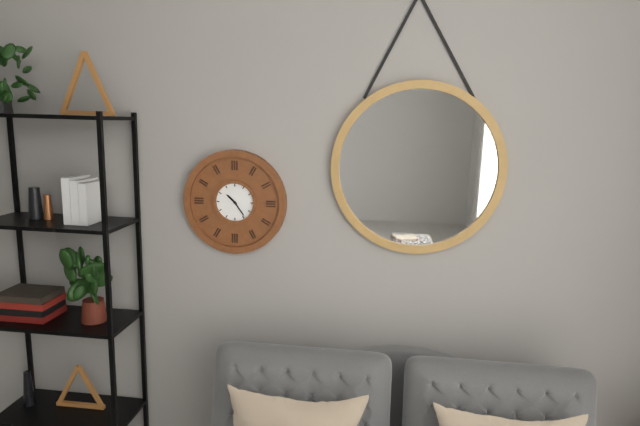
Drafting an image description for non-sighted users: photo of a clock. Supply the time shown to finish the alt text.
10:24
